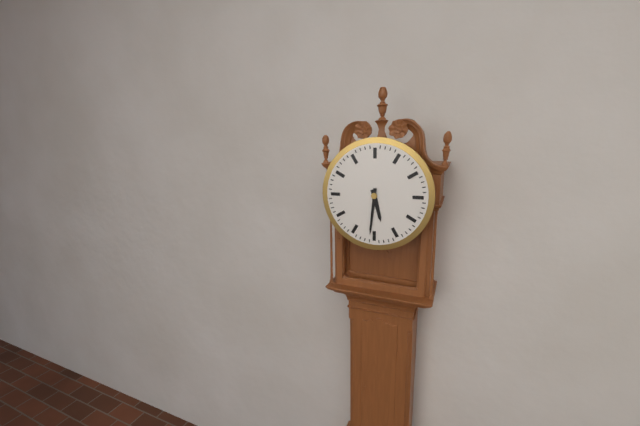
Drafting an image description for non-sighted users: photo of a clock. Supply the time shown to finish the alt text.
5:31
